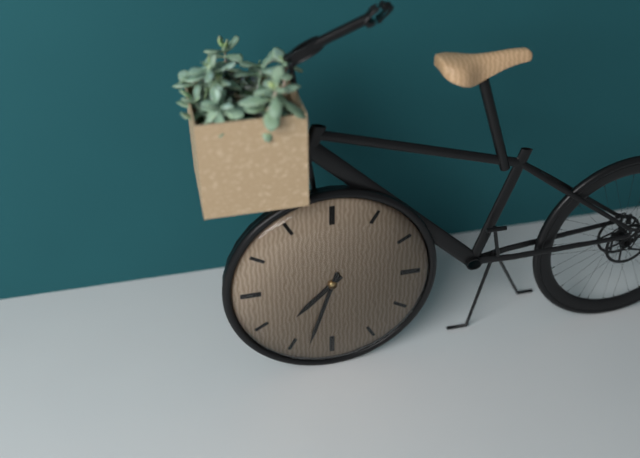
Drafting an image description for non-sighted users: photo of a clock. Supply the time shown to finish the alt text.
7:33
